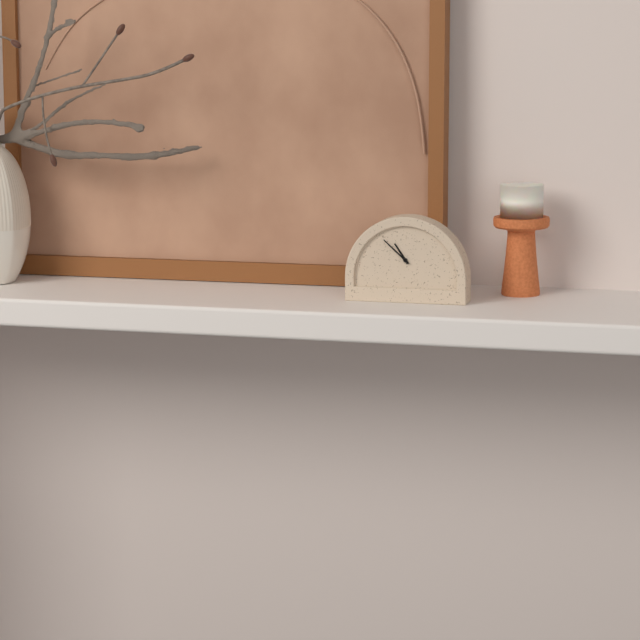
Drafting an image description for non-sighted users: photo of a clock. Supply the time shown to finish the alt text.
10:52
